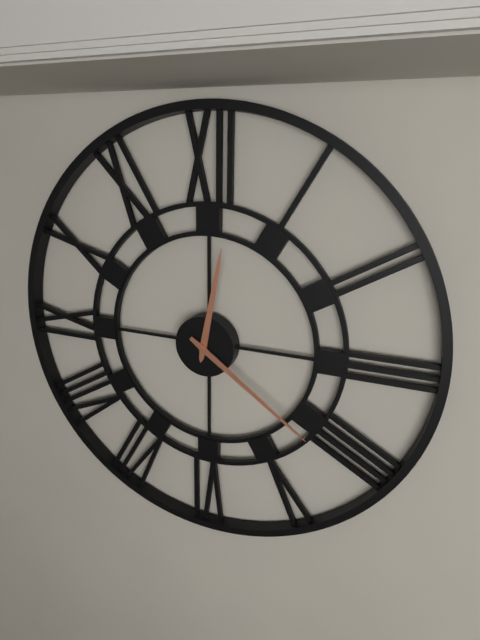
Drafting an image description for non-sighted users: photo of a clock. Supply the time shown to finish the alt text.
12:21
